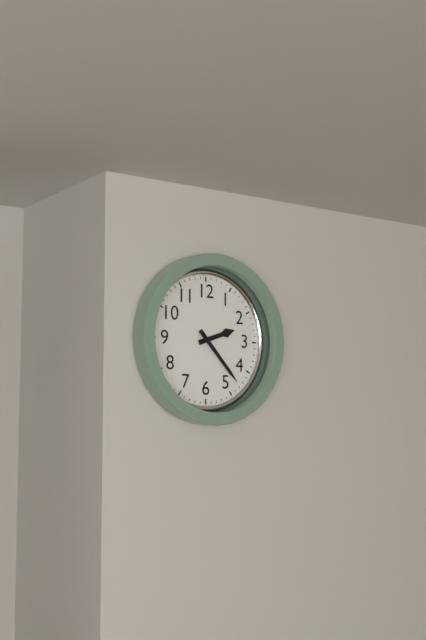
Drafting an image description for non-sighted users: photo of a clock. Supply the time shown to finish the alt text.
2:23
